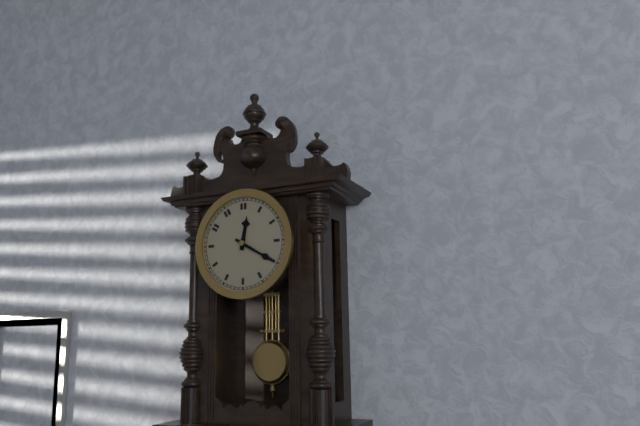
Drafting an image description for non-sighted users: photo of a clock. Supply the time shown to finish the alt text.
12:20
